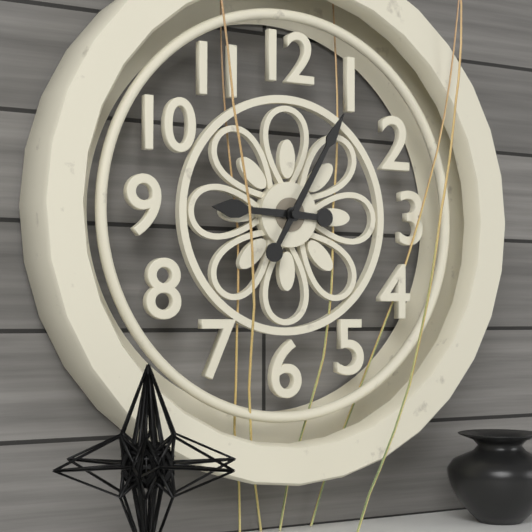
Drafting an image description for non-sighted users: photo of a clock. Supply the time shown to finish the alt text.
9:05
